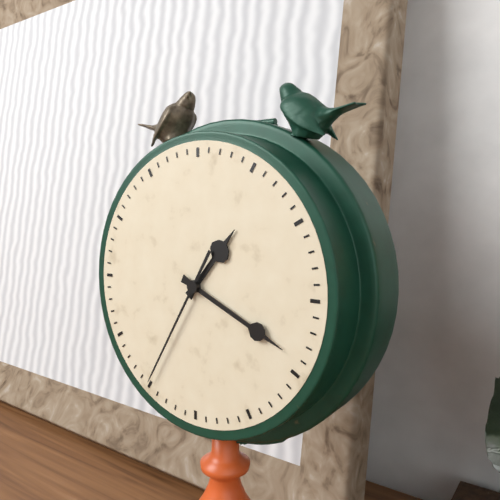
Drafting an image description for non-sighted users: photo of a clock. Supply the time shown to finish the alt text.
1:19:35
